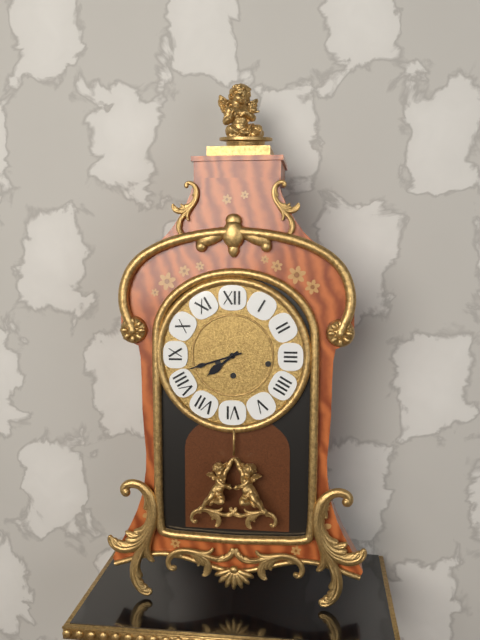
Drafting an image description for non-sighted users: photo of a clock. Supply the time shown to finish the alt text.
7:42
